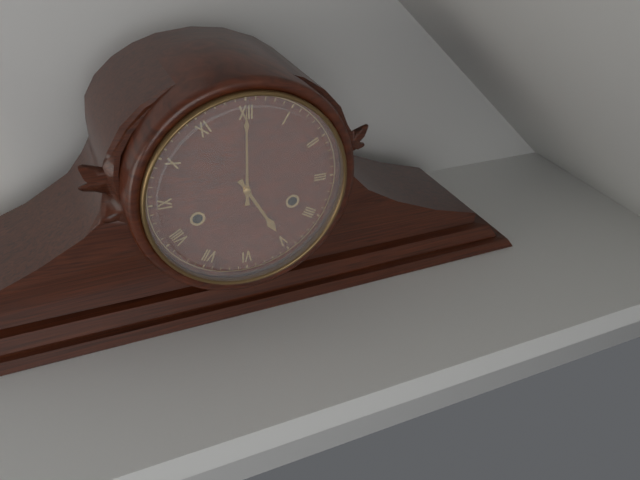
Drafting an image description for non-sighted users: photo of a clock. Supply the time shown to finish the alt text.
5:00
